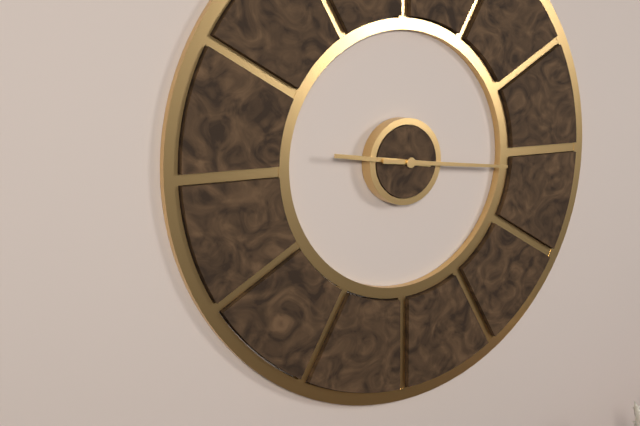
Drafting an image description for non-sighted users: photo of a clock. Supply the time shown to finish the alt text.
9:16
